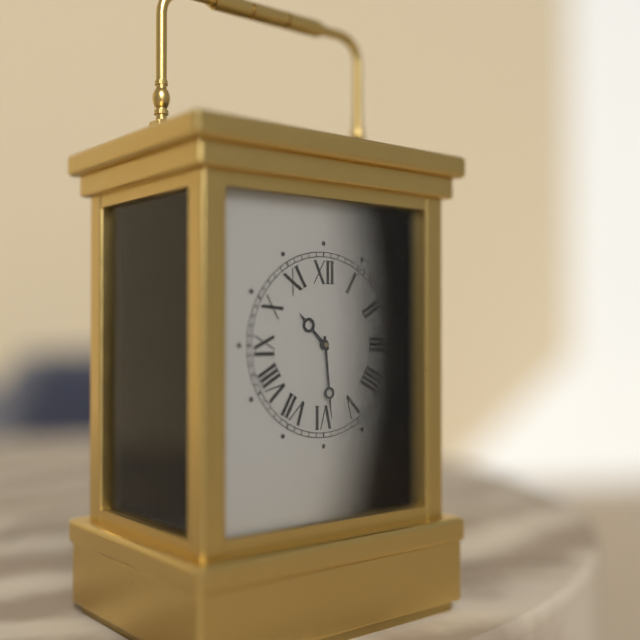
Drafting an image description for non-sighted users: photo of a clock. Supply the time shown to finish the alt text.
10:29
